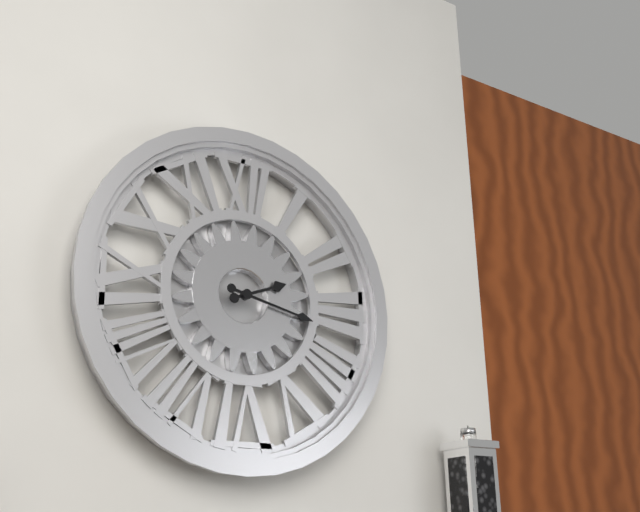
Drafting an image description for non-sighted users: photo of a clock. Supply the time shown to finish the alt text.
2:17
